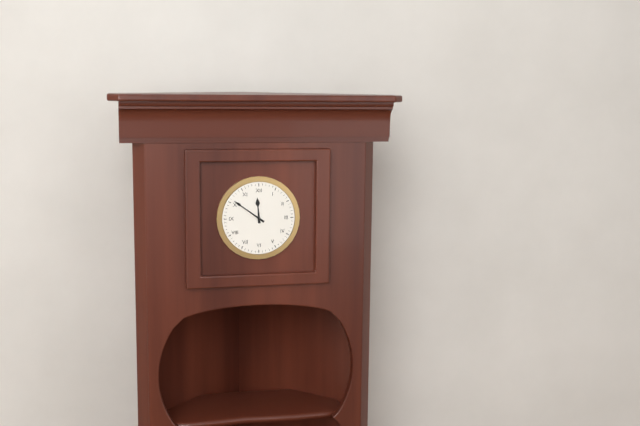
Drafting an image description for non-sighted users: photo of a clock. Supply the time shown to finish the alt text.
11:51
